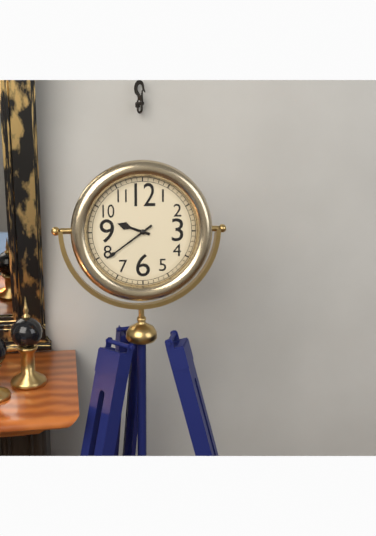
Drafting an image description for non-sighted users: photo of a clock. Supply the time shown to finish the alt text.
9:39
